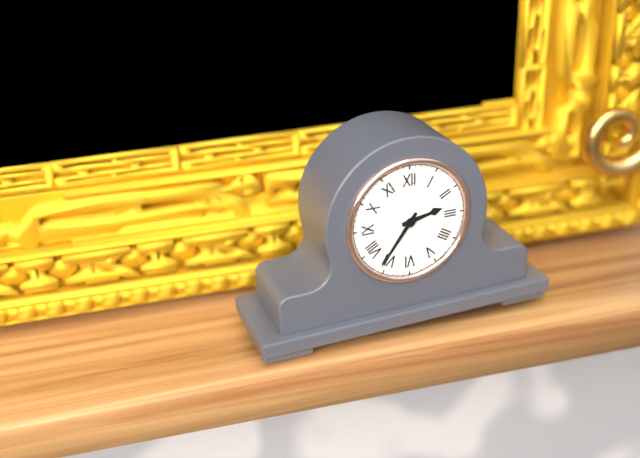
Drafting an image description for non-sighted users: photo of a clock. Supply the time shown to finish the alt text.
2:36
